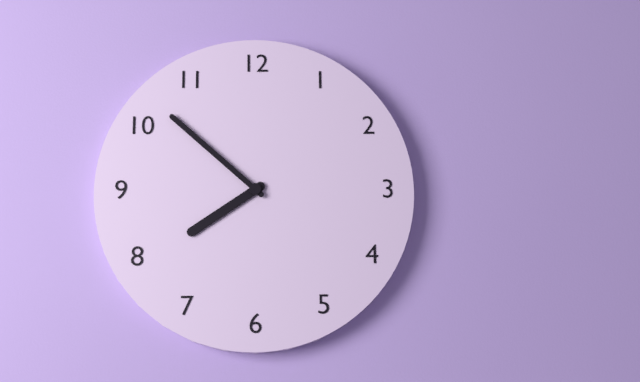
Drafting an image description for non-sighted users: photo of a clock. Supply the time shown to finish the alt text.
7:52
